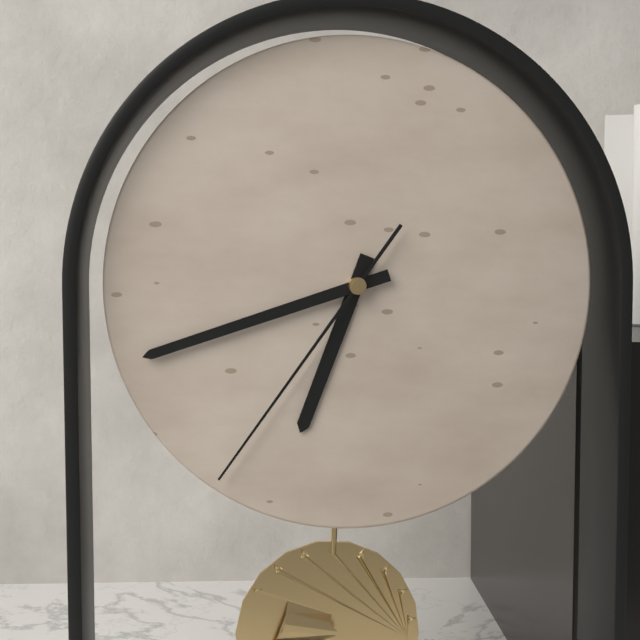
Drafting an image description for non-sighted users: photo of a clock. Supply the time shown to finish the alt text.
6:42:36
